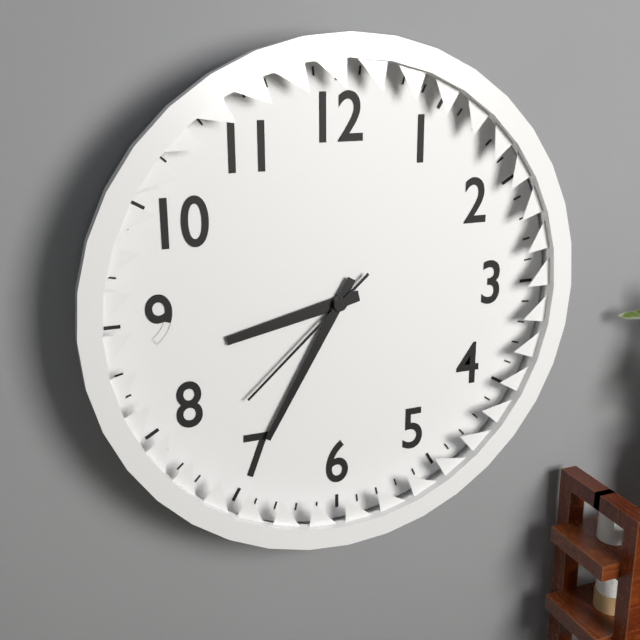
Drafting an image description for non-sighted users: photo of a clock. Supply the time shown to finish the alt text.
8:35:38
